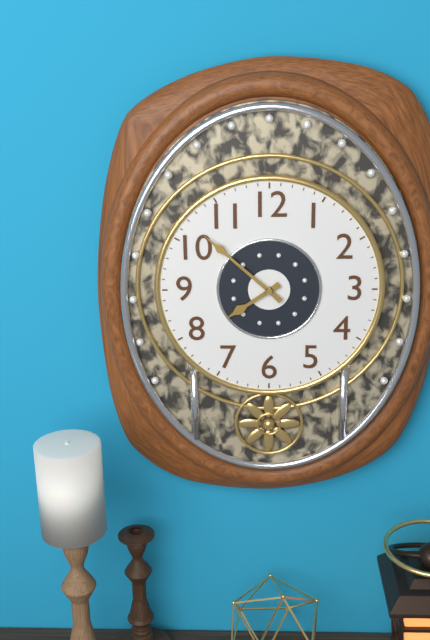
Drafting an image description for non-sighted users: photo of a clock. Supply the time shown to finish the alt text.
7:52
